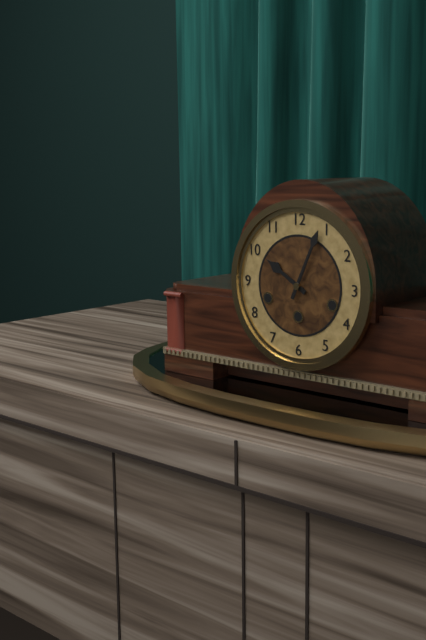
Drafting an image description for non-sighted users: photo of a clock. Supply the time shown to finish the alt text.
10:04
